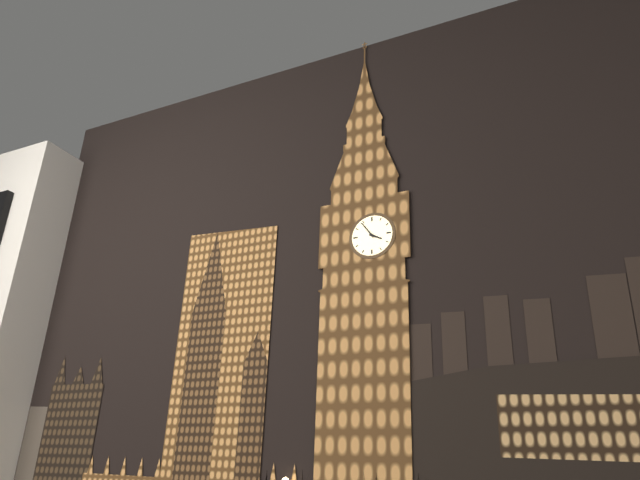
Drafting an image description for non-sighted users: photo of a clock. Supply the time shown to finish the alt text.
3:54
